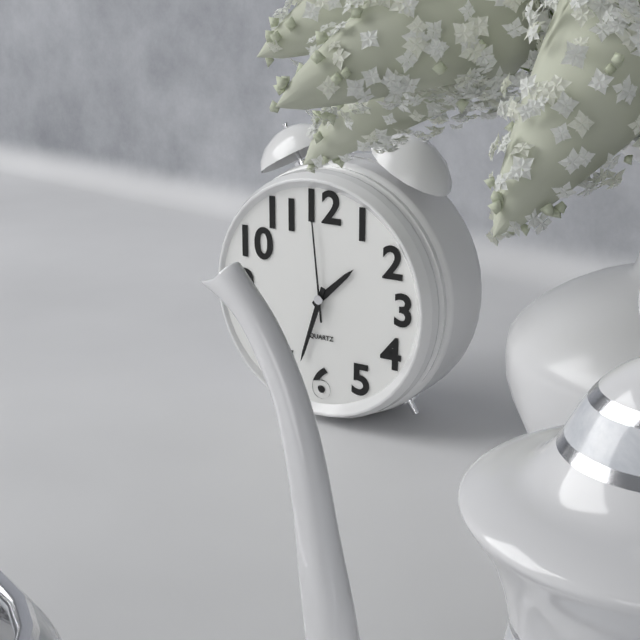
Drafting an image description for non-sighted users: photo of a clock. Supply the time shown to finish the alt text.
1:33:59
